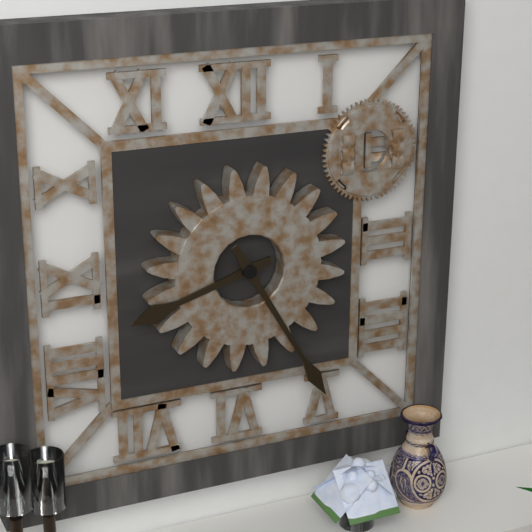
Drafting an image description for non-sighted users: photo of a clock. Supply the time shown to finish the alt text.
8:25
